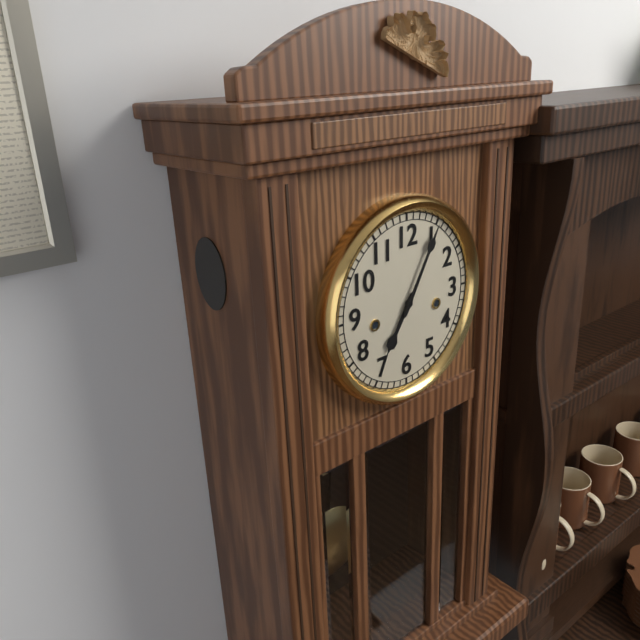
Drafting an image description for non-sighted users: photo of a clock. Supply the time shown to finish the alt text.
7:05
